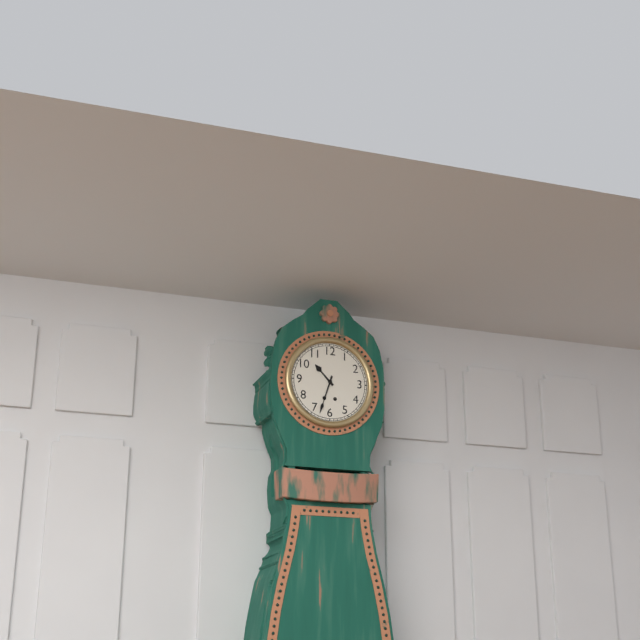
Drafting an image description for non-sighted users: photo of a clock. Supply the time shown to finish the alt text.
10:33
